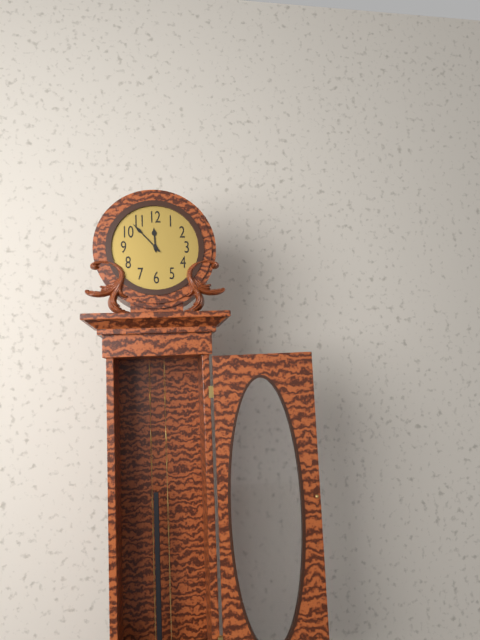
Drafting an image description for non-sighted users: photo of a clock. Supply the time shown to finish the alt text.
11:53
